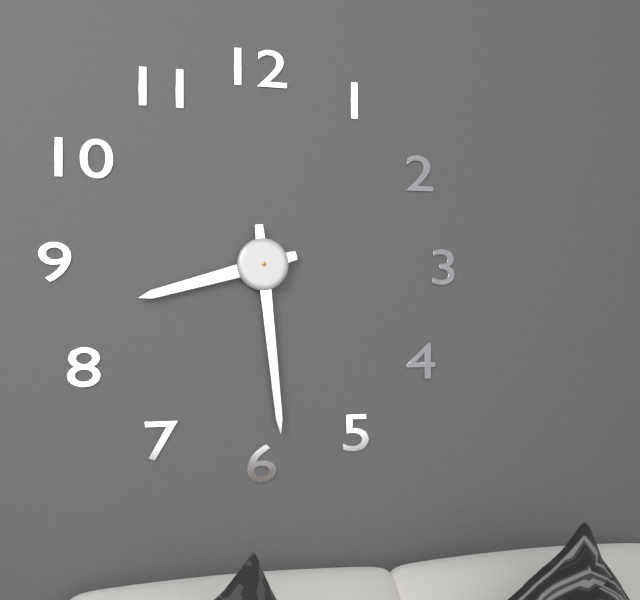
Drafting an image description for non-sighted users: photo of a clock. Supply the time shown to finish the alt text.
8:29
